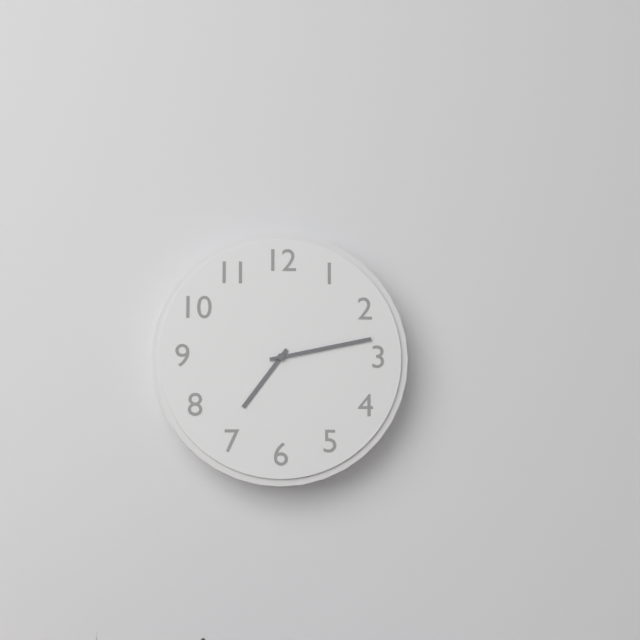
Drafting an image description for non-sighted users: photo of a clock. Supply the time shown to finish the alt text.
7:13
